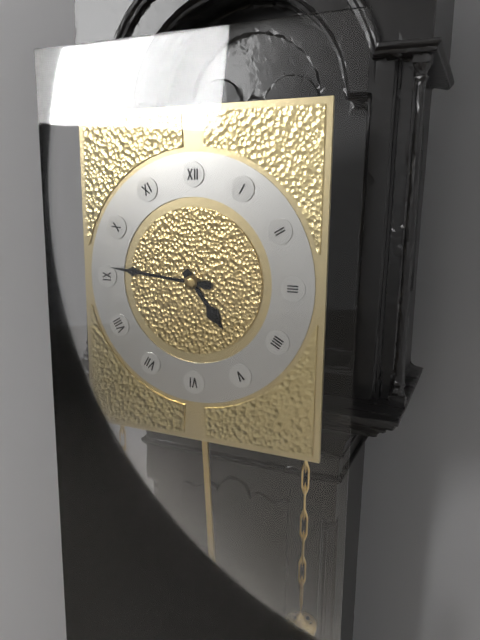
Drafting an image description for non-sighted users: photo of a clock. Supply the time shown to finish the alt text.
4:46
